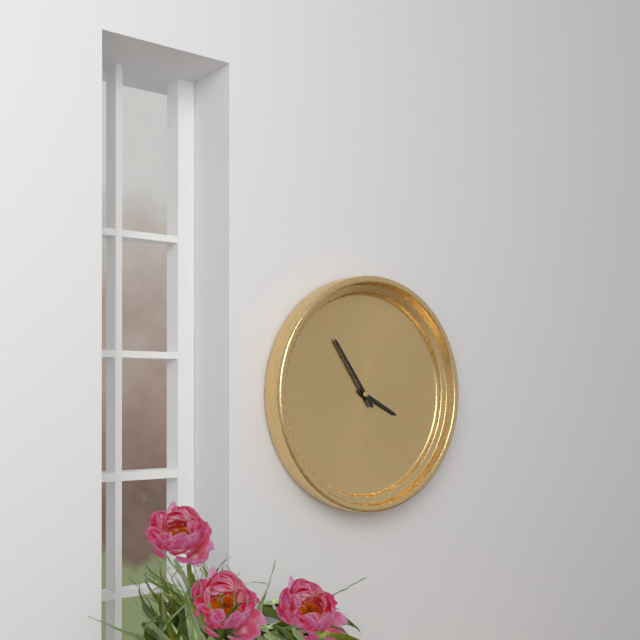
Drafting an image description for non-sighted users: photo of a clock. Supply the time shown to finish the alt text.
3:54
